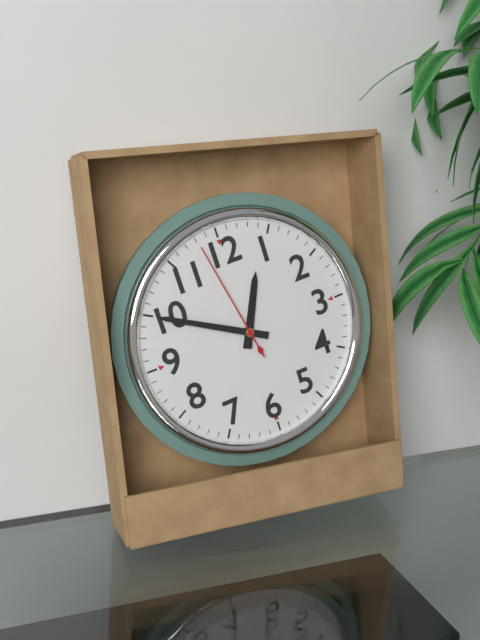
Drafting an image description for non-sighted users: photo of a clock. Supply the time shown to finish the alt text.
12:50:58
